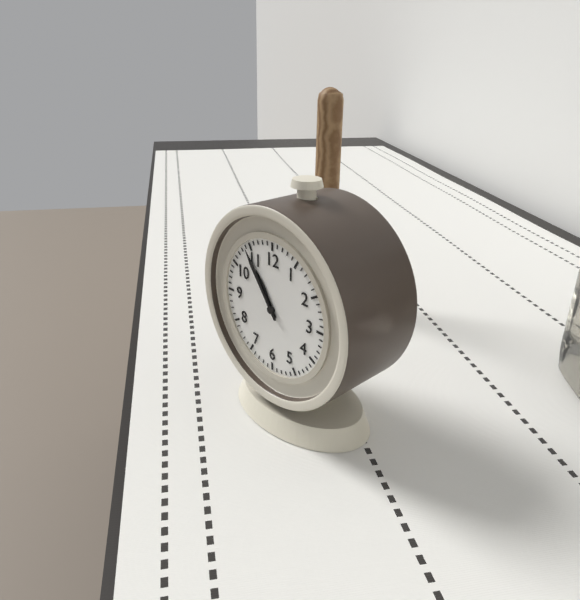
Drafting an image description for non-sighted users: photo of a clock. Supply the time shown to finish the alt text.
10:54
